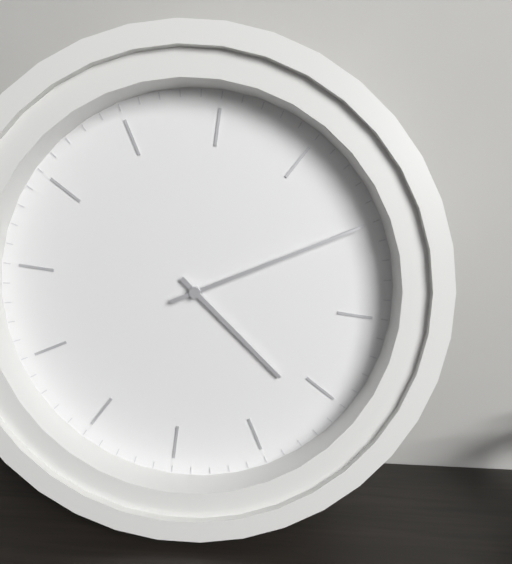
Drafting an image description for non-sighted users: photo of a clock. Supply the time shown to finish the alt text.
5:15
